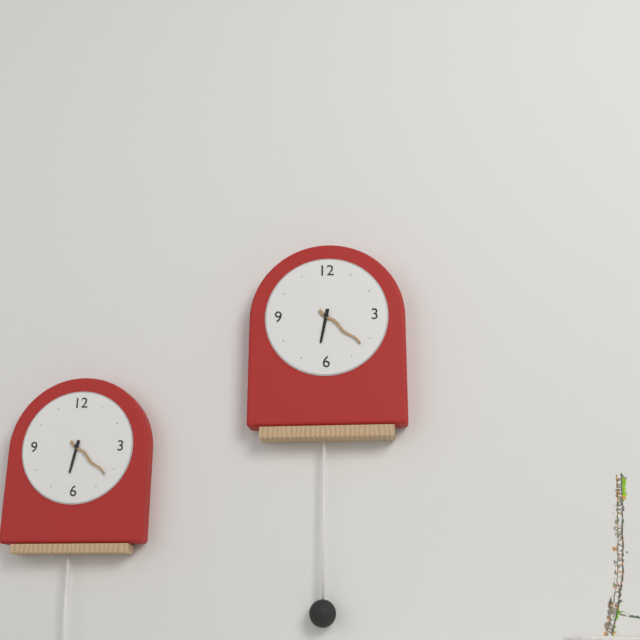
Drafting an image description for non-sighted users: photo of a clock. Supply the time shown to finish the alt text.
6:22
